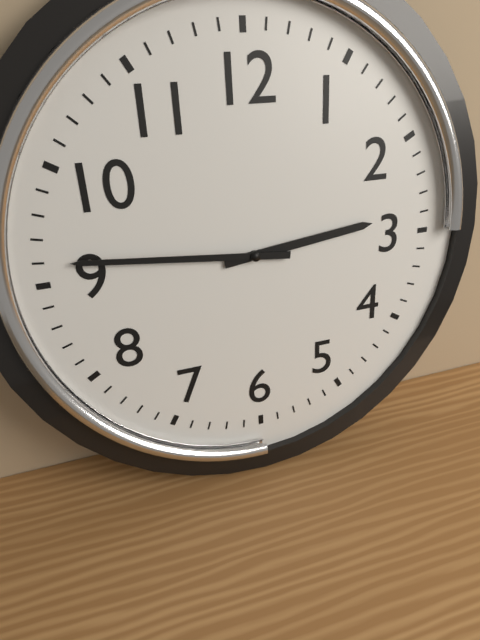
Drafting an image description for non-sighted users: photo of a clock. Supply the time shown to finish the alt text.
2:46
